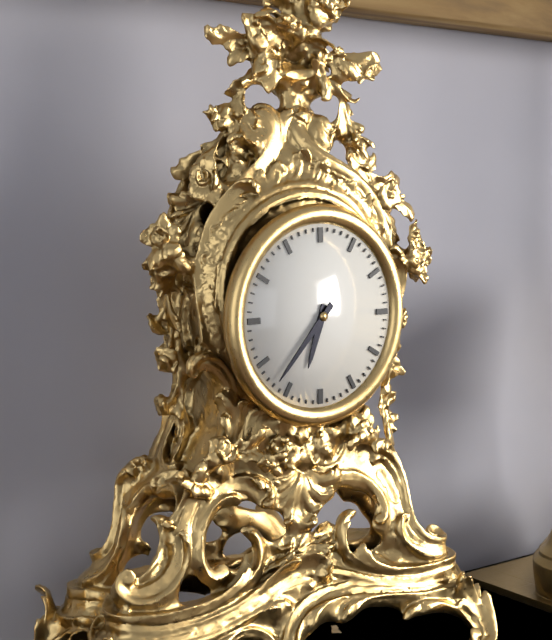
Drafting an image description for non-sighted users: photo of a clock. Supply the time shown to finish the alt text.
6:37
